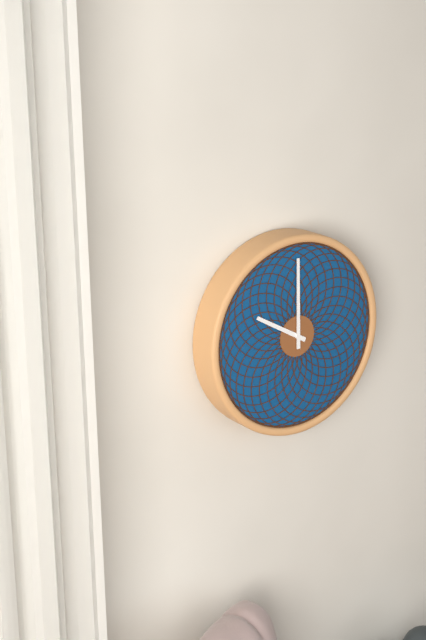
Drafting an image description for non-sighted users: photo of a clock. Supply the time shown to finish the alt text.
10:00
